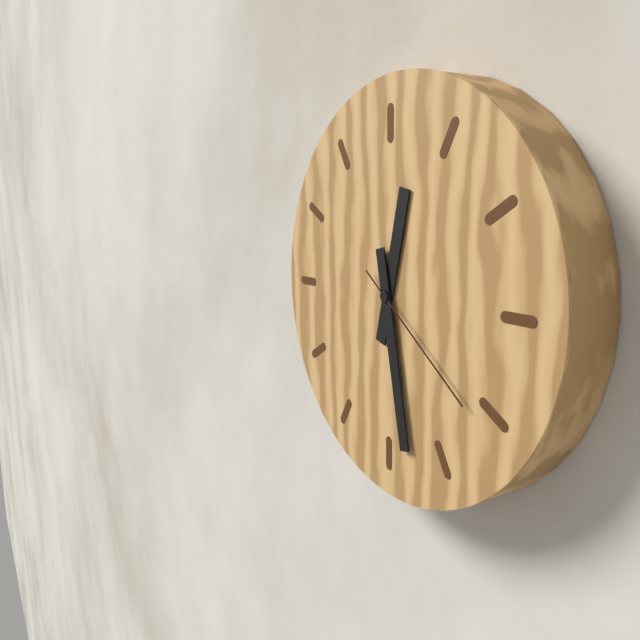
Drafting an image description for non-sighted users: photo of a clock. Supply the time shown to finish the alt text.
12:28:21
